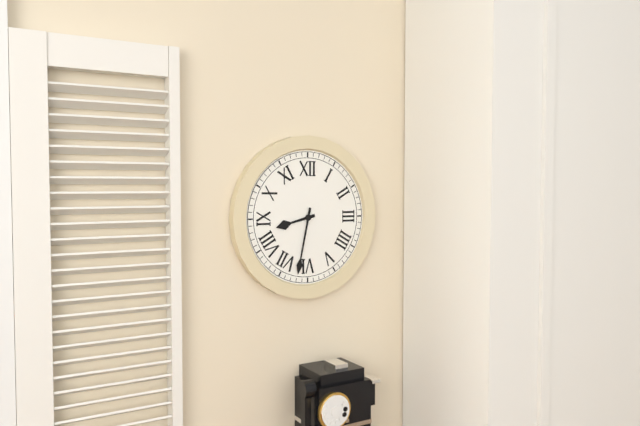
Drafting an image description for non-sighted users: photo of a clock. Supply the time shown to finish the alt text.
8:32
